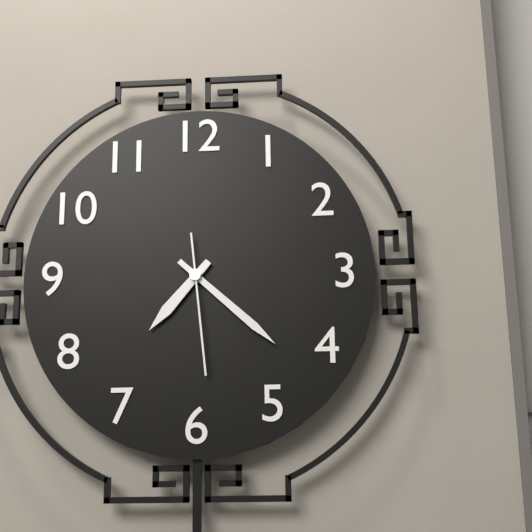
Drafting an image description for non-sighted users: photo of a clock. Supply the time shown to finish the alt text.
7:22:29
